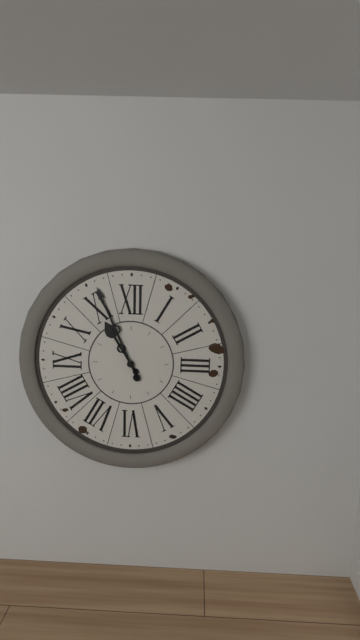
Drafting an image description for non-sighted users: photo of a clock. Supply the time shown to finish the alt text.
10:56
